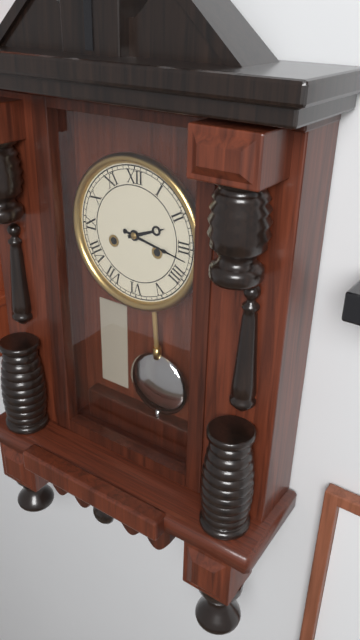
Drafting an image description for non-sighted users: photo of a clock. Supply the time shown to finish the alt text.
2:17
